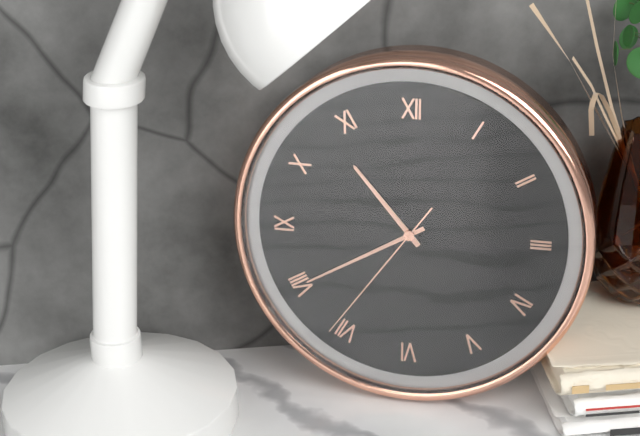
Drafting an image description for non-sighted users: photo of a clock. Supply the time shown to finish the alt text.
10:40:36
